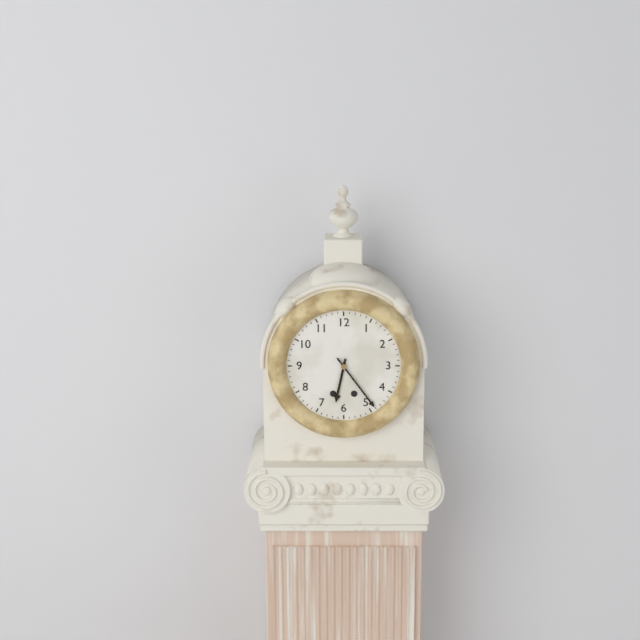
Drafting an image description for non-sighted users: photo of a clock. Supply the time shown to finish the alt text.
6:24
